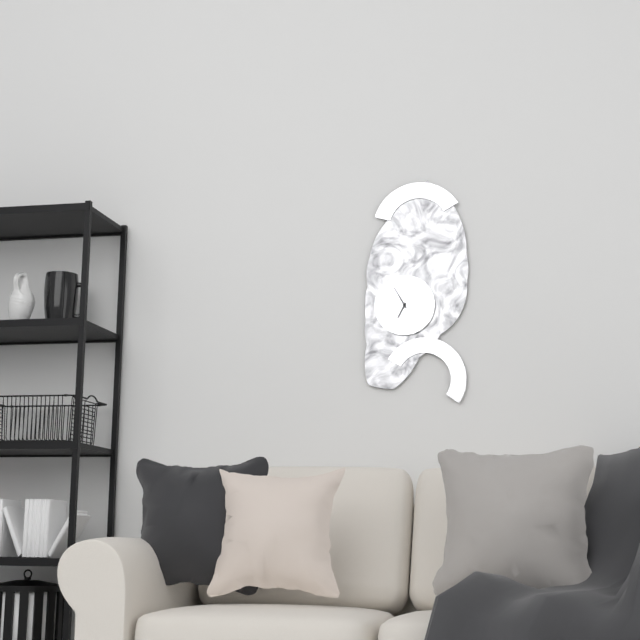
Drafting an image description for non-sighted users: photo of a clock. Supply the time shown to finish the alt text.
6:55
